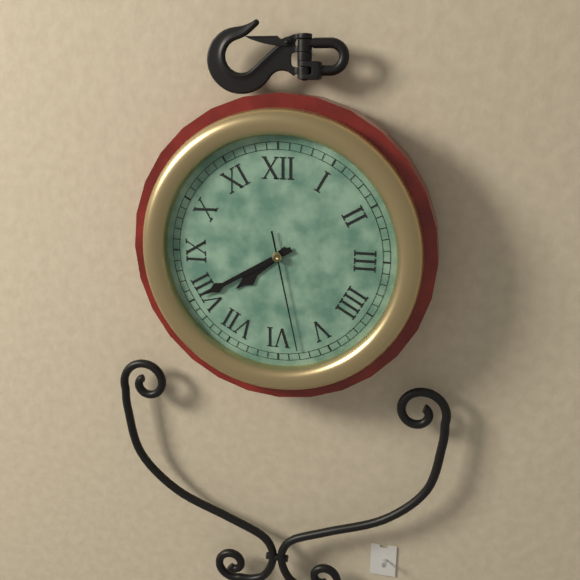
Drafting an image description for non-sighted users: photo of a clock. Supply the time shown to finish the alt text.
7:40:28
